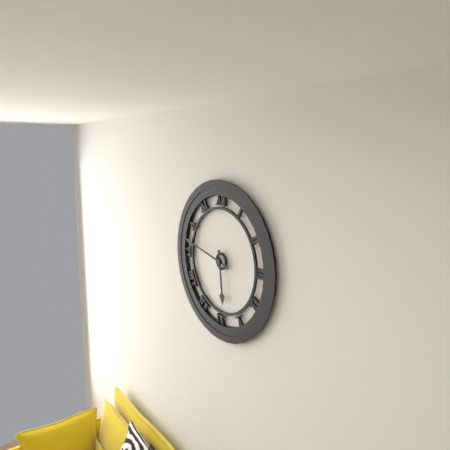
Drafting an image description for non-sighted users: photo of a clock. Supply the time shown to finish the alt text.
5:47
